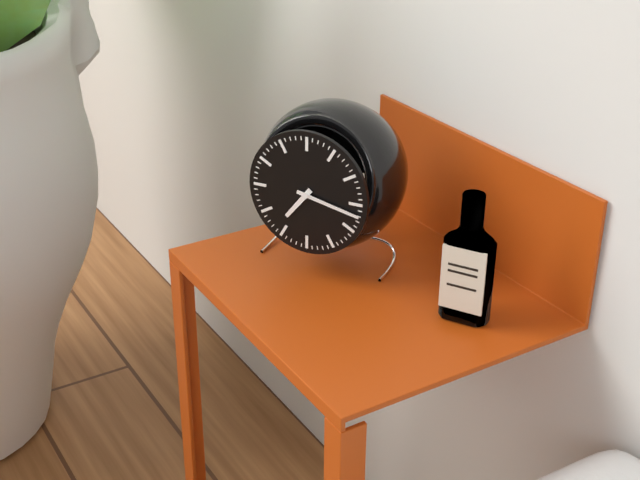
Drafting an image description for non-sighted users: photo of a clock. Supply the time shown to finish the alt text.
7:17
